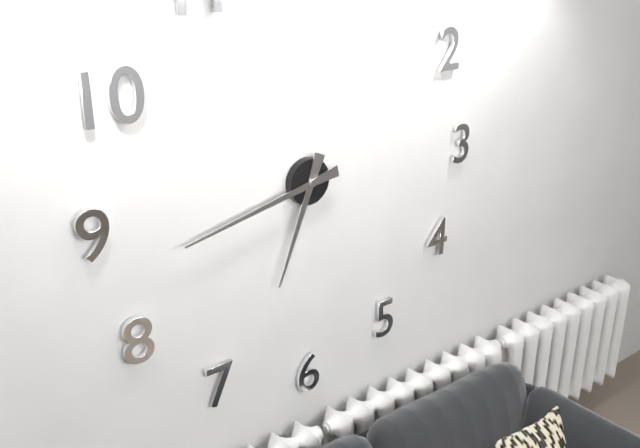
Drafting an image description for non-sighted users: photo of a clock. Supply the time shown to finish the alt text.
6:43
